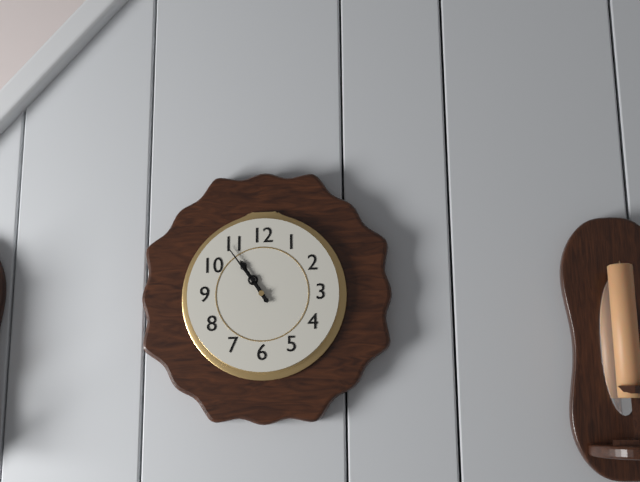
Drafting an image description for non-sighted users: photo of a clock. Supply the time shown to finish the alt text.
10:54
